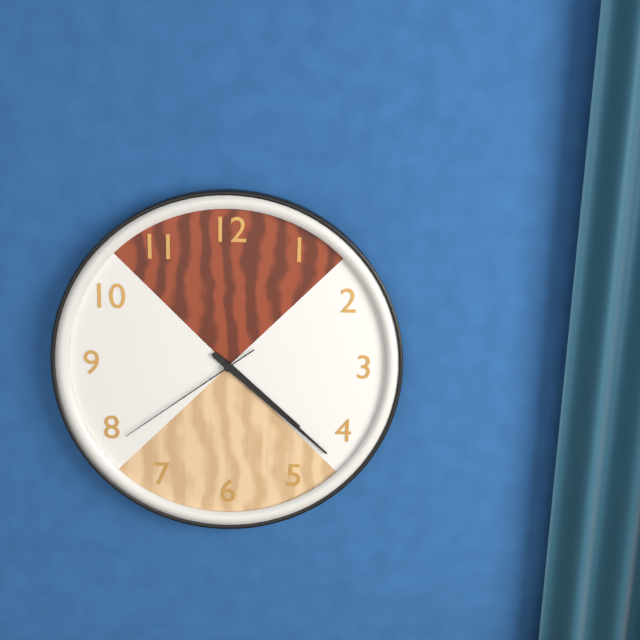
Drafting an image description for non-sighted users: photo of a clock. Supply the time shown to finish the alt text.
4:22:39
